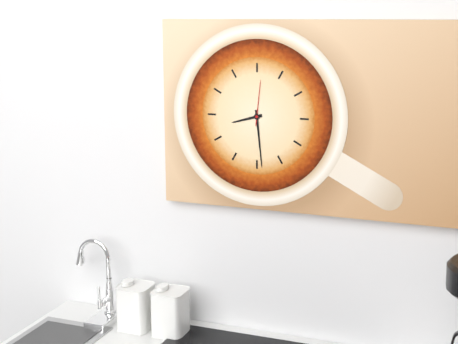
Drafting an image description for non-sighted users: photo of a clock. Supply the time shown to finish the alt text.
8:29
